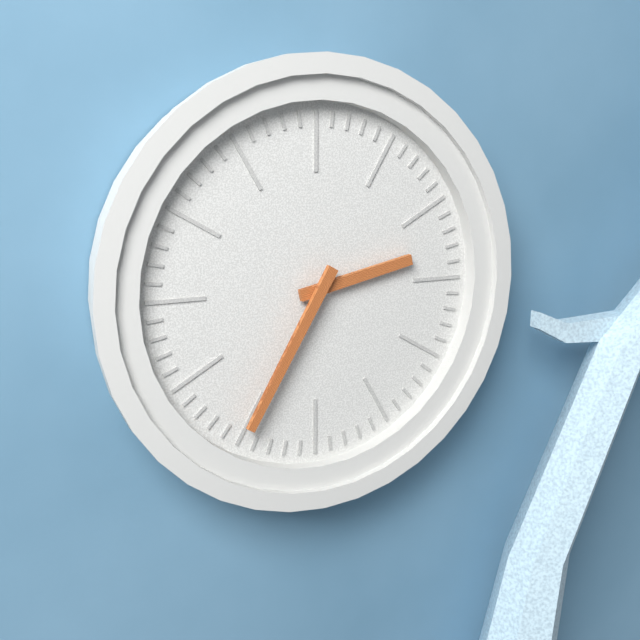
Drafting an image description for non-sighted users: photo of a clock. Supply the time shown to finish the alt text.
2:35
